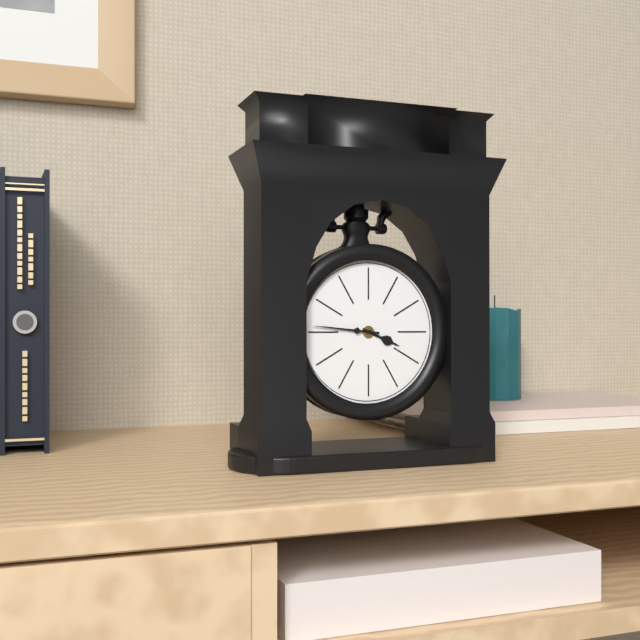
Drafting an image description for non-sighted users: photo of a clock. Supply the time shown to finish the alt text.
3:46
